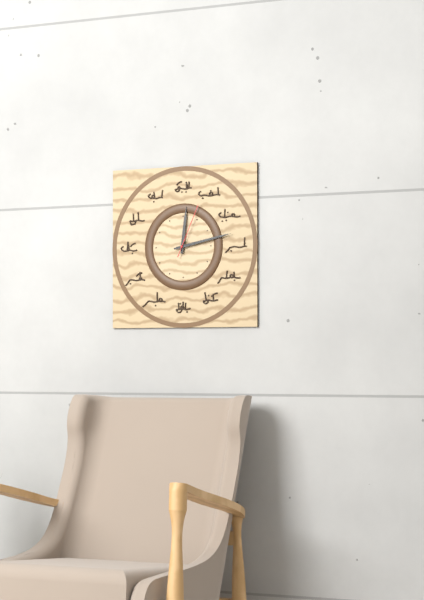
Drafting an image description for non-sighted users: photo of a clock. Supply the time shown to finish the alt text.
12:13:04
